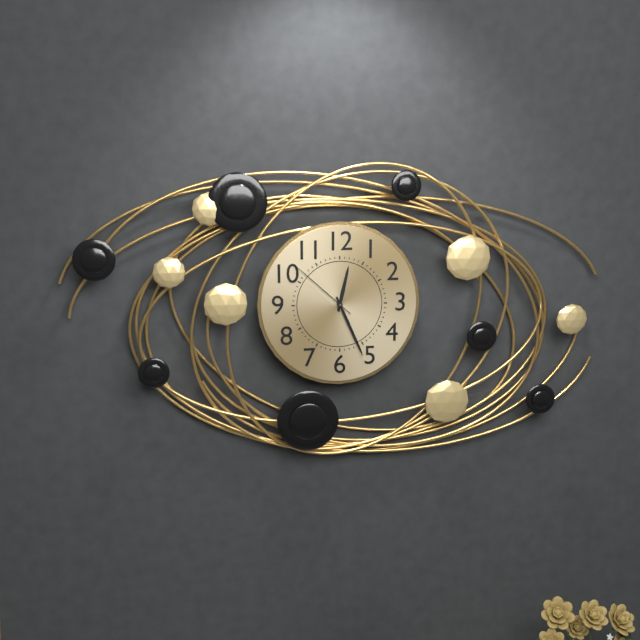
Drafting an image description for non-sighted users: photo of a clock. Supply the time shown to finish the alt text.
12:26:52
